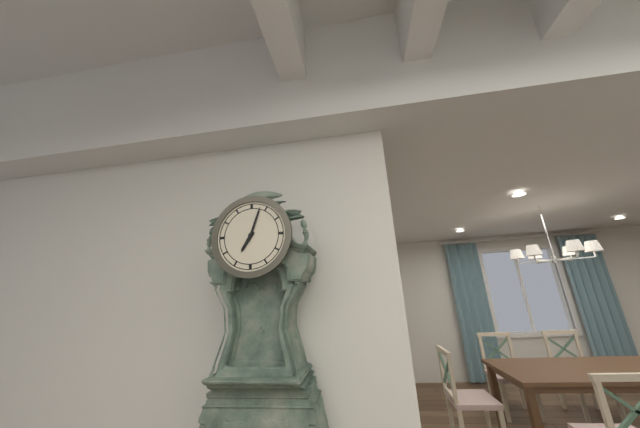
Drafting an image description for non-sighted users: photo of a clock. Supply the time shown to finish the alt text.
7:03
